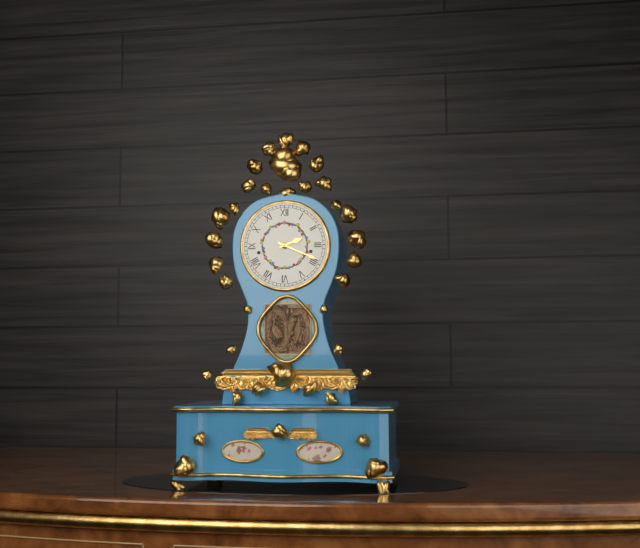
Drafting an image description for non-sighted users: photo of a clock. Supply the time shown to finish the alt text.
2:19
